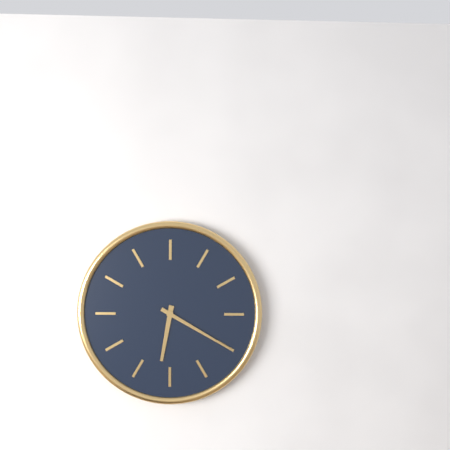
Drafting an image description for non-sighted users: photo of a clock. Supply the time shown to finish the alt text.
6:20
